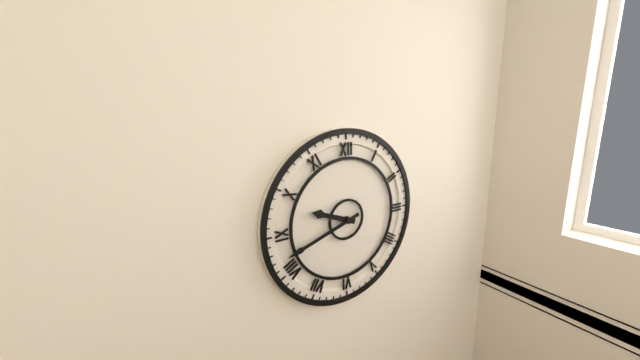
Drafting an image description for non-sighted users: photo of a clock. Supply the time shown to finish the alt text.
9:42
